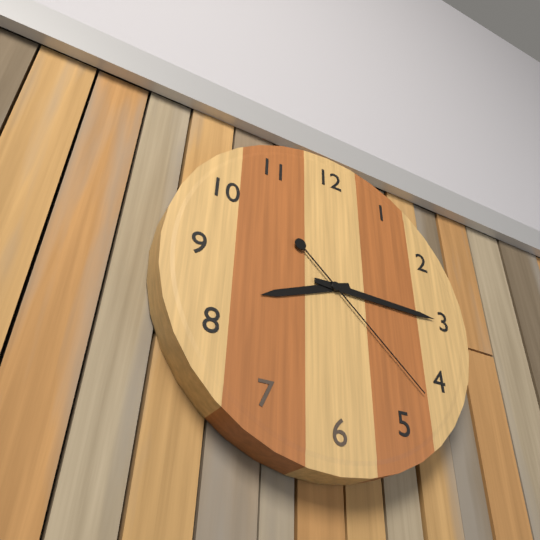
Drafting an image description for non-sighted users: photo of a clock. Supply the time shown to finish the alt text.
8:15:22
